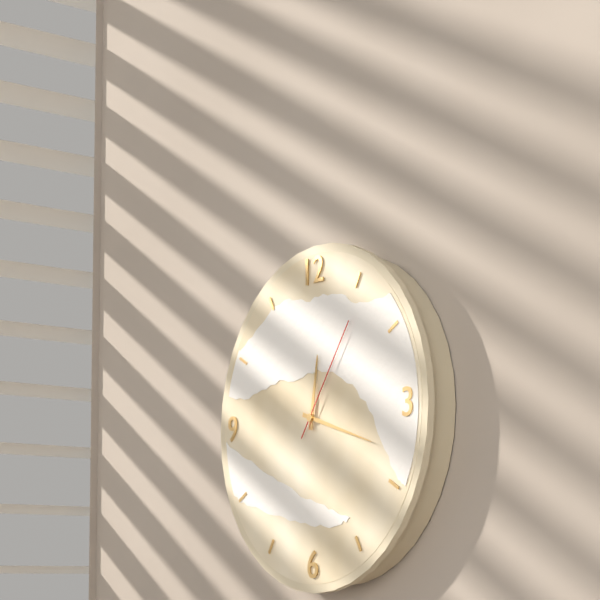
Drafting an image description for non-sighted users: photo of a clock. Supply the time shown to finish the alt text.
12:18:06
